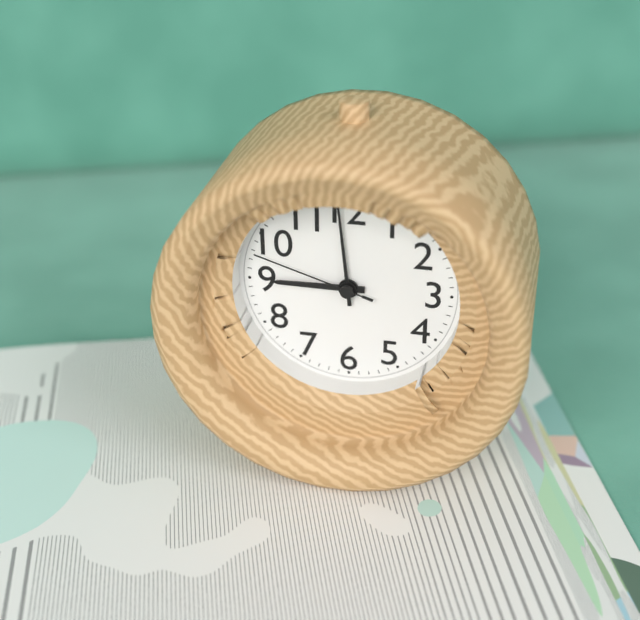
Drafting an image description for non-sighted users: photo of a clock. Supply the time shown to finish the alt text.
8:59:48
